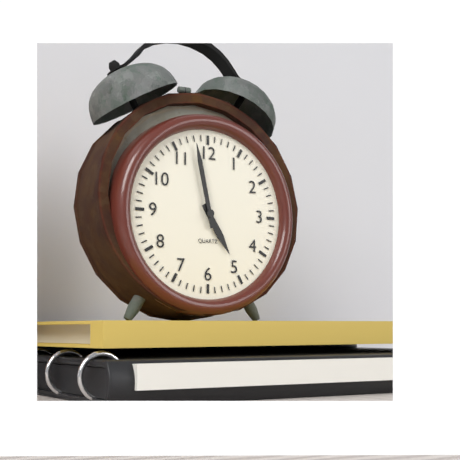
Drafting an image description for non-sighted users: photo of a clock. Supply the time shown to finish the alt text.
4:58
